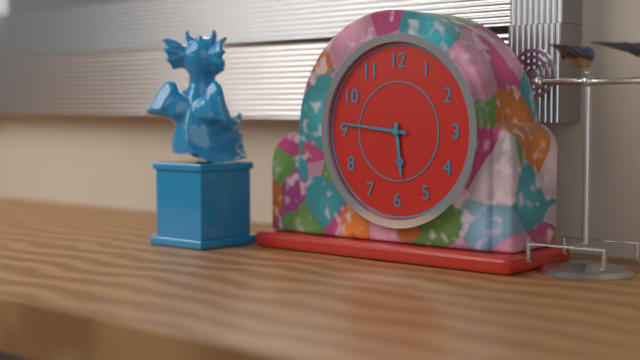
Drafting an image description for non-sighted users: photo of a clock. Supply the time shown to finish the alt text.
5:46
